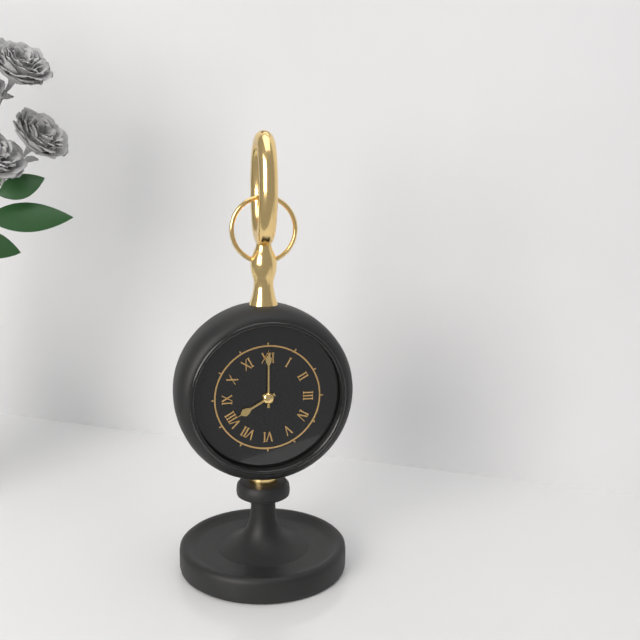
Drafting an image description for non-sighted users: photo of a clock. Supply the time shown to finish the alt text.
8:00
